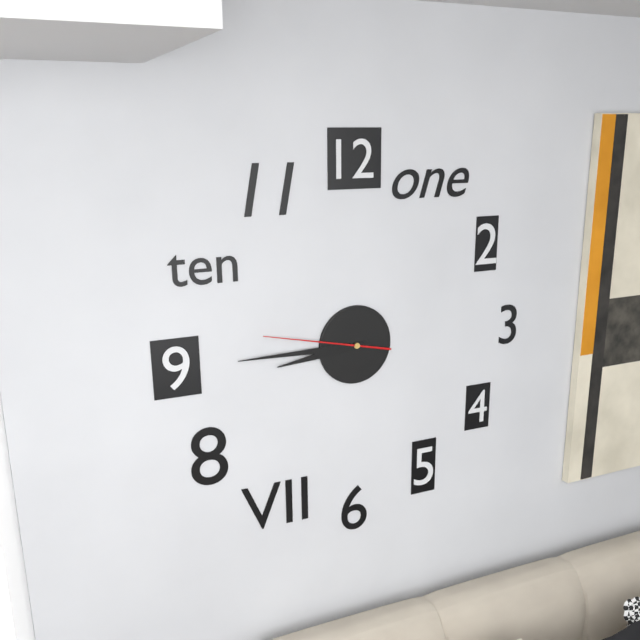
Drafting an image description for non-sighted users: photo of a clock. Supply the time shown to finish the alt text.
8:45:47
